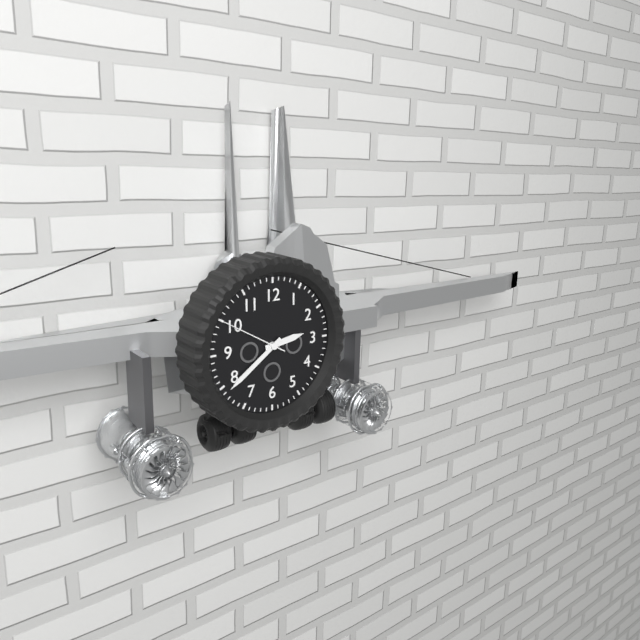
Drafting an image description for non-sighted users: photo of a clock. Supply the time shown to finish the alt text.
2:39:50
